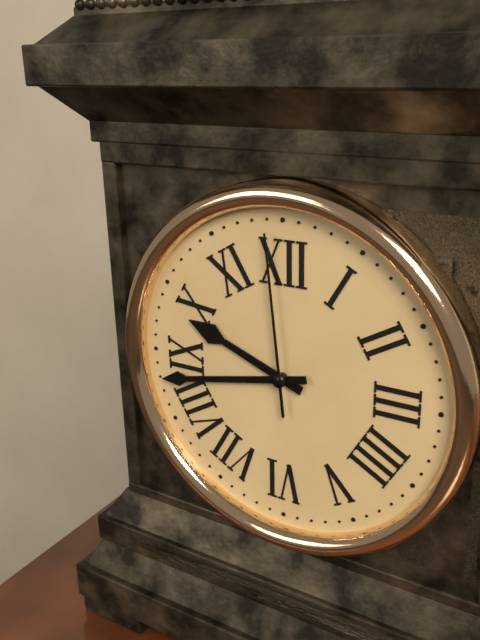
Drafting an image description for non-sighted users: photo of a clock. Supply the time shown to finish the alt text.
9:43:59
